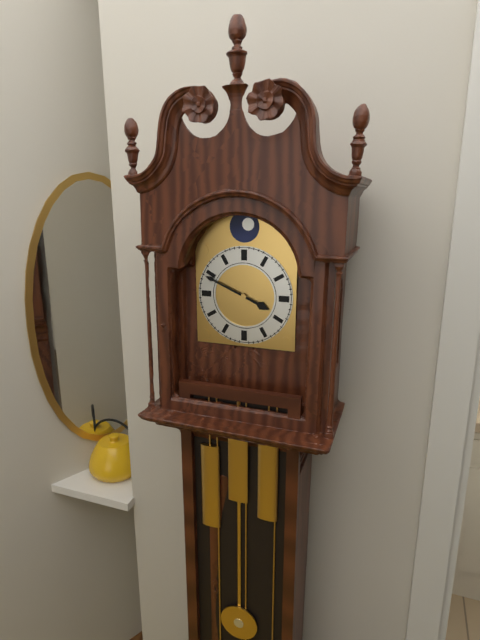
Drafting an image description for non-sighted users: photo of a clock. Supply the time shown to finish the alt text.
3:49
